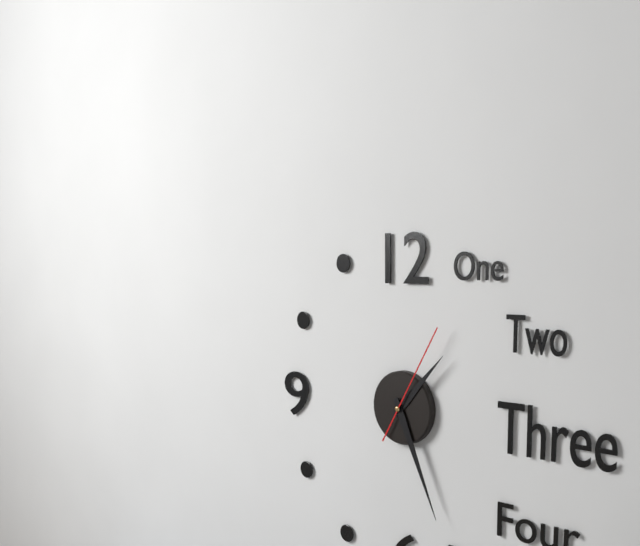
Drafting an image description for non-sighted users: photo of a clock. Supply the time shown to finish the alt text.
1:26:05
